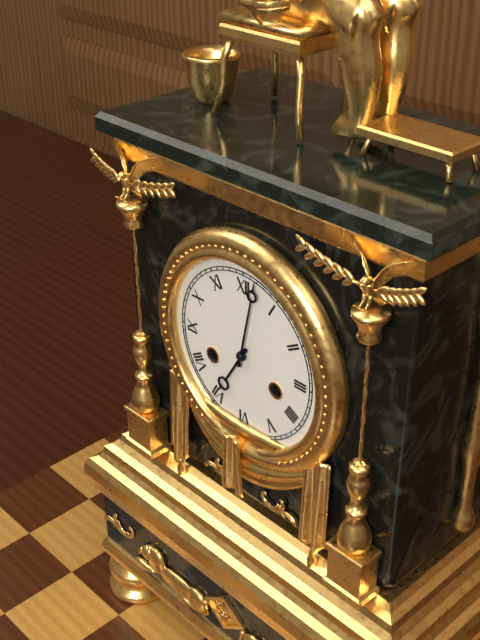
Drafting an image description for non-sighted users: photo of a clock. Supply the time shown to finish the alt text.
7:02
